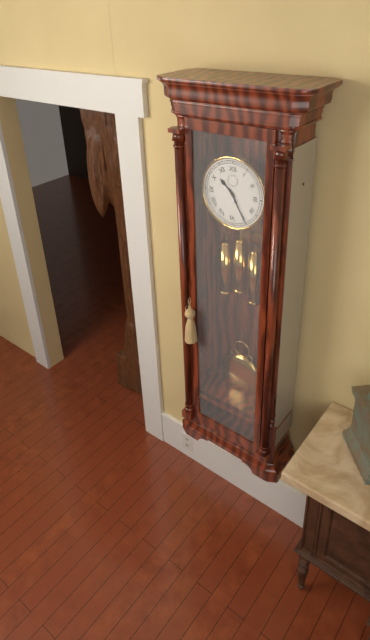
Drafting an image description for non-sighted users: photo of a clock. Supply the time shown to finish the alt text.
10:25
